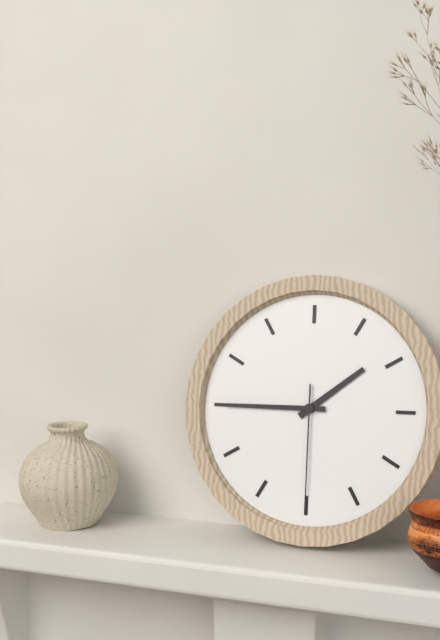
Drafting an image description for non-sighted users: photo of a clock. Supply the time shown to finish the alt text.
1:45:30
